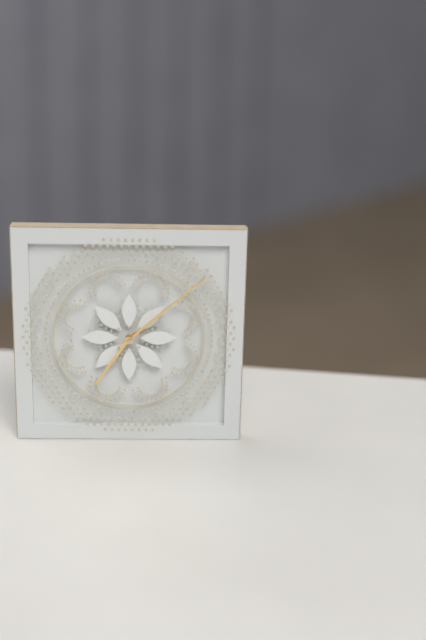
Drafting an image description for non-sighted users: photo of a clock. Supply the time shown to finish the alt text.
7:08
